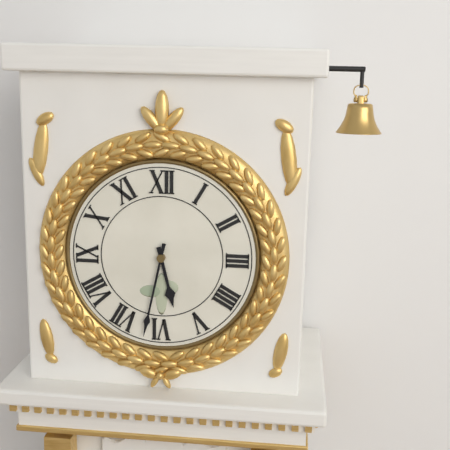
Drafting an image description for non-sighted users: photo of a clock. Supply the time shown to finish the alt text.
5:32
